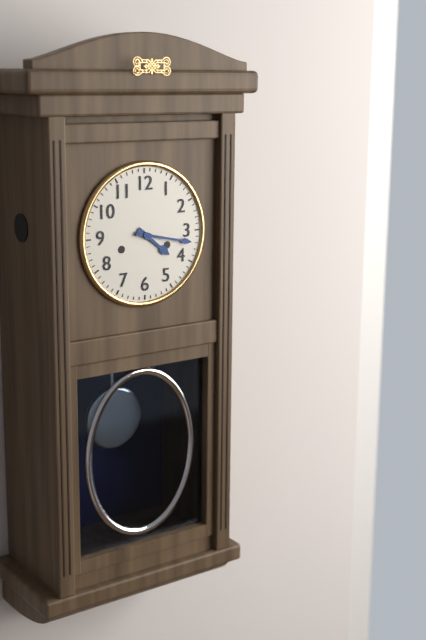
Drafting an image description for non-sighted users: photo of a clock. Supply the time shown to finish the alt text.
4:17
